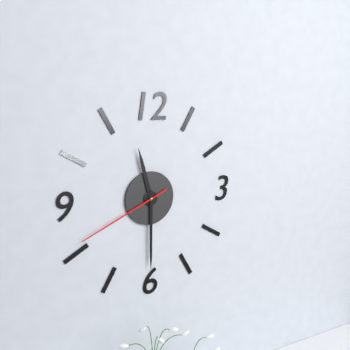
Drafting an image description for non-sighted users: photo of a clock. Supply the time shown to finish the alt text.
11:30:41
